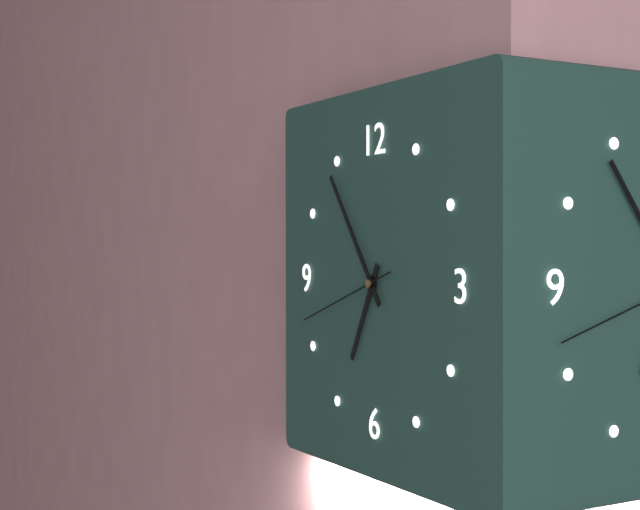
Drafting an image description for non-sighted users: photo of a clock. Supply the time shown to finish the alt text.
6:54:42
